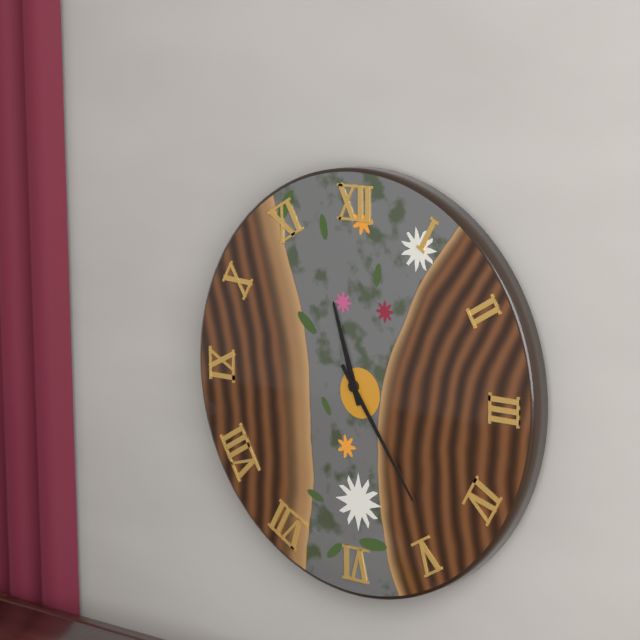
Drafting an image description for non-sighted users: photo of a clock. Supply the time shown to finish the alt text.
11:24
